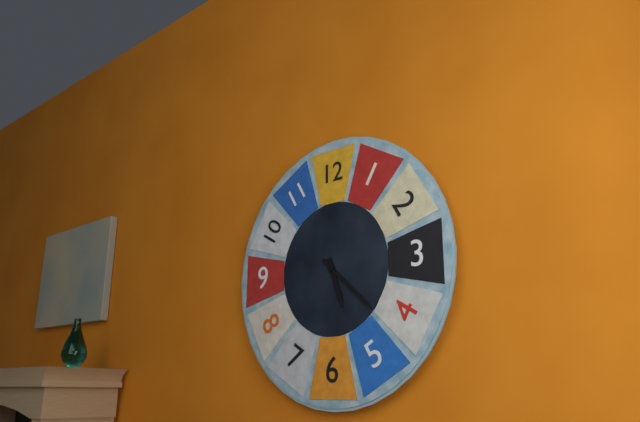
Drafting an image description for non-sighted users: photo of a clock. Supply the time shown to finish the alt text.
5:22
